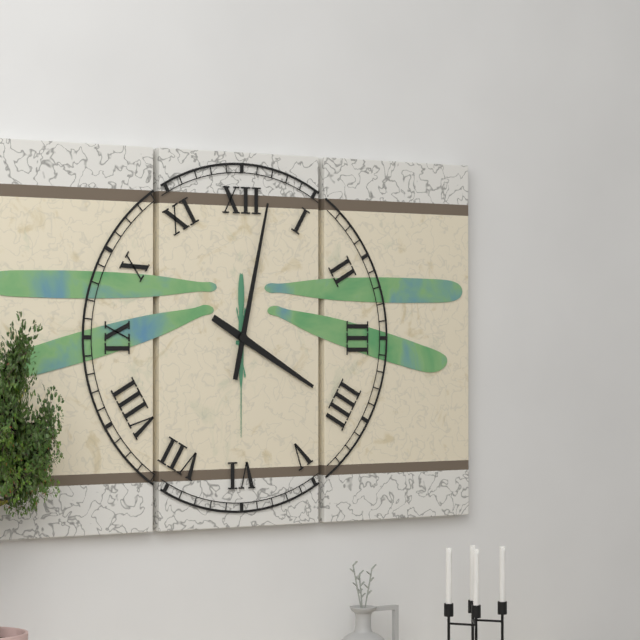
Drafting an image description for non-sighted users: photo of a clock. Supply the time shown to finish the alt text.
4:02
